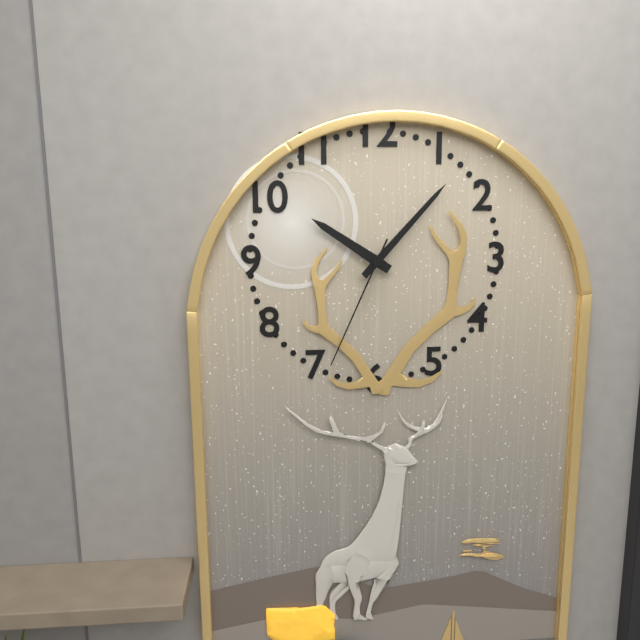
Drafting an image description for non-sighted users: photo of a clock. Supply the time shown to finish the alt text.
10:07:34
